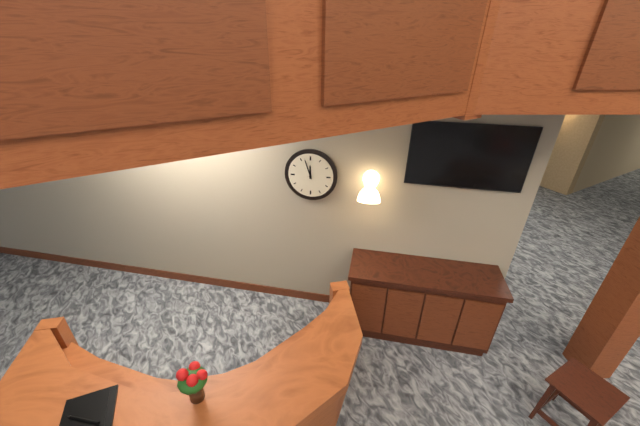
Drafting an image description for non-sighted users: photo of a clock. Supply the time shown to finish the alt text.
11:57
